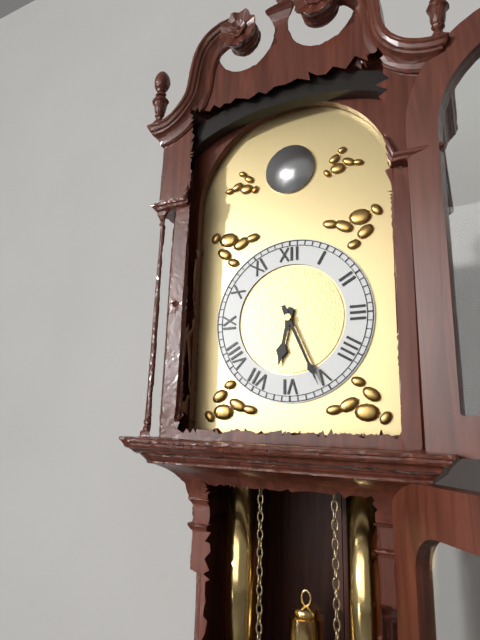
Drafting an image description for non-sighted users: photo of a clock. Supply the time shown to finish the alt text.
6:26
